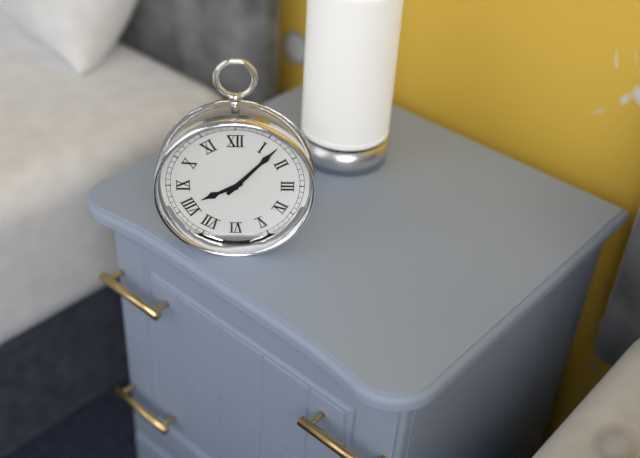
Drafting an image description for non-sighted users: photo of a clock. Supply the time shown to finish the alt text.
8:07
